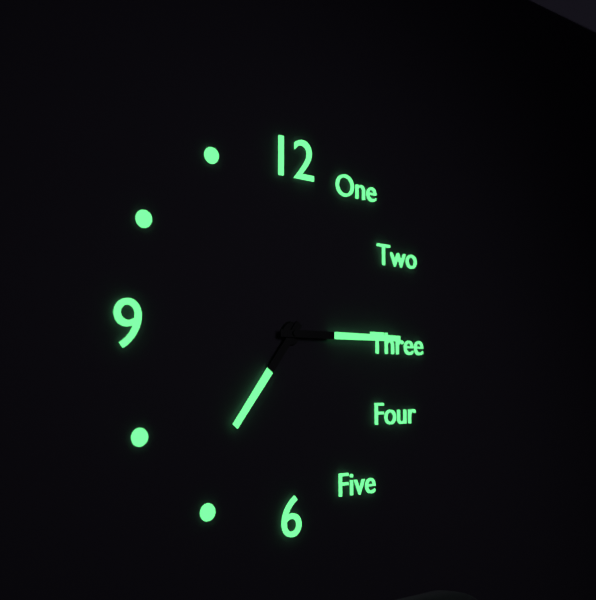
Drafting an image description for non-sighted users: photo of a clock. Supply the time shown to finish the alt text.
7:15
